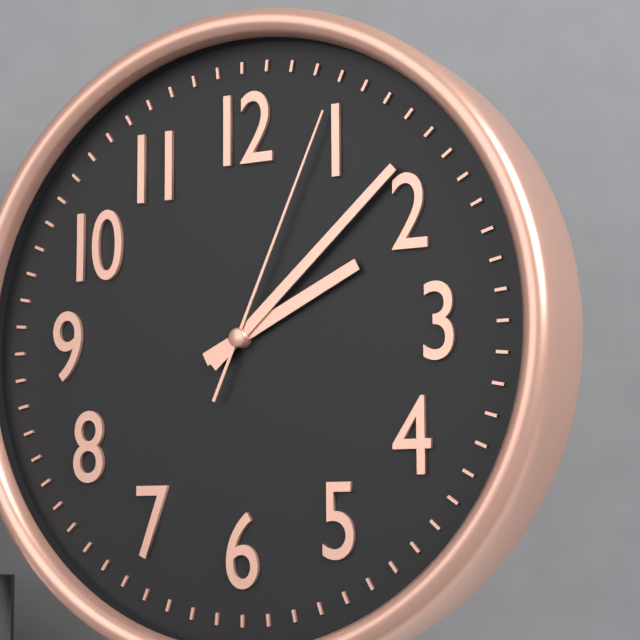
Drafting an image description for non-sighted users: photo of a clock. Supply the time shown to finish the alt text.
2:08:04
